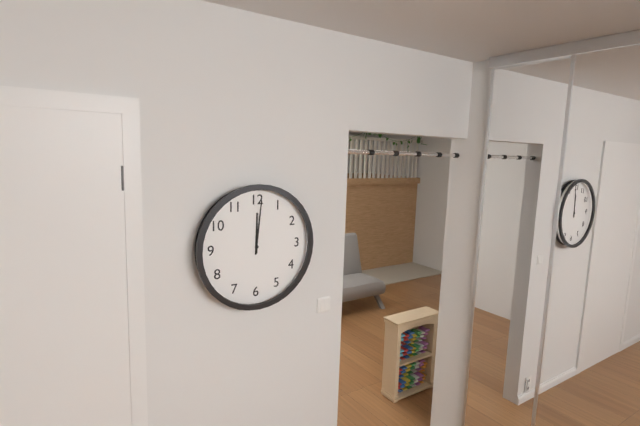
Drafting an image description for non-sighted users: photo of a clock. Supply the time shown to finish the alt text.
12:01
